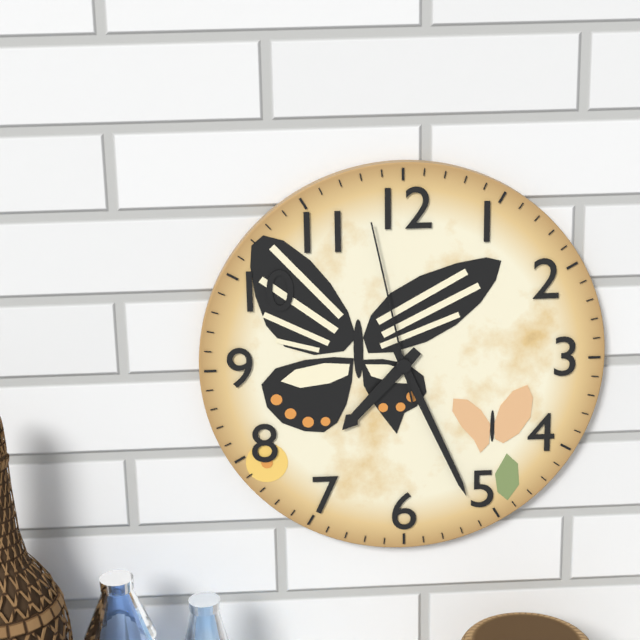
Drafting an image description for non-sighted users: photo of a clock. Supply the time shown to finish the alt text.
7:26:58
